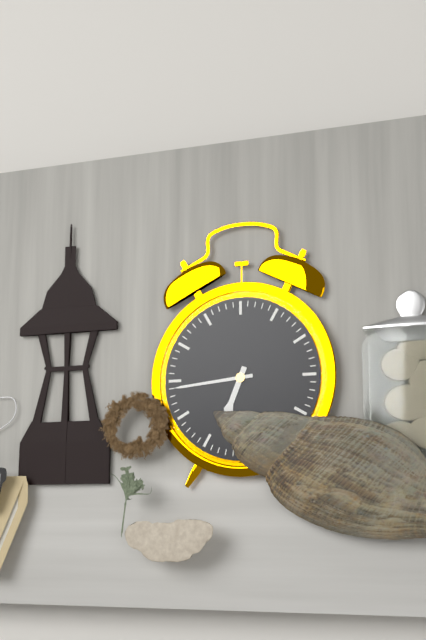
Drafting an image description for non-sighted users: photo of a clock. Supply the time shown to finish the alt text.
6:44
